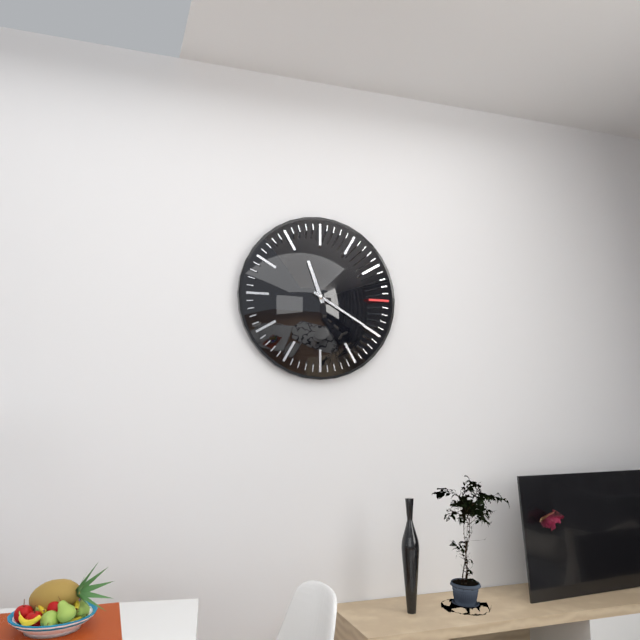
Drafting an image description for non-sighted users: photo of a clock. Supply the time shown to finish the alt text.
11:20
